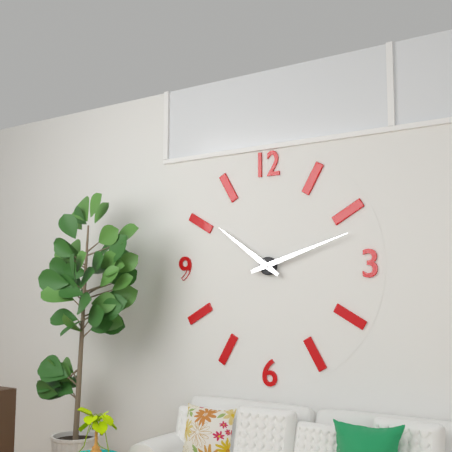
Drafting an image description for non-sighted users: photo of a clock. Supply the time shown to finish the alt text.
10:12
